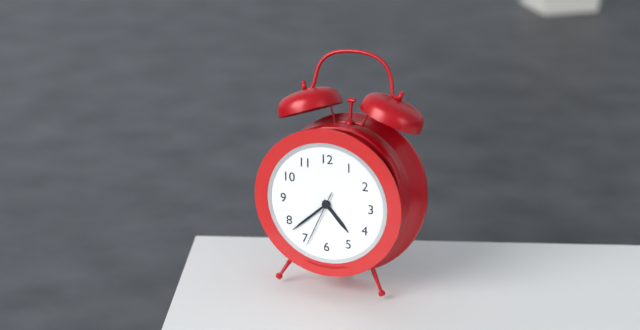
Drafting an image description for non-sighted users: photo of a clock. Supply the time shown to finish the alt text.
4:38:34
